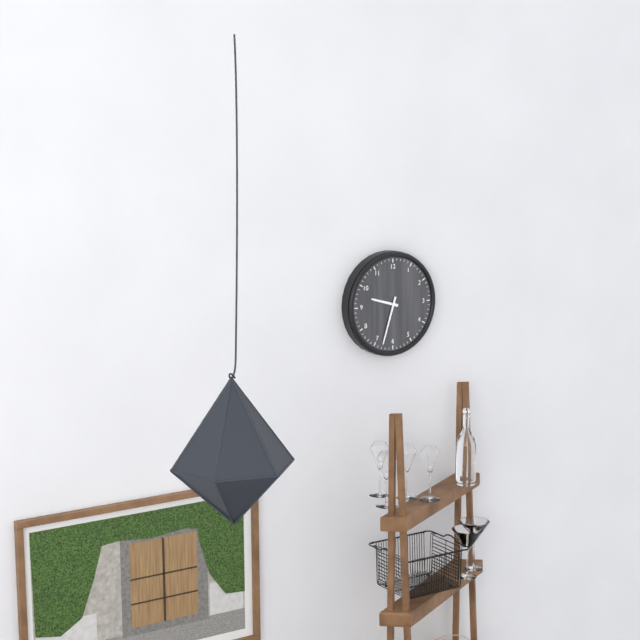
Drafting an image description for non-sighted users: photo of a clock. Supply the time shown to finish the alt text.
9:33
